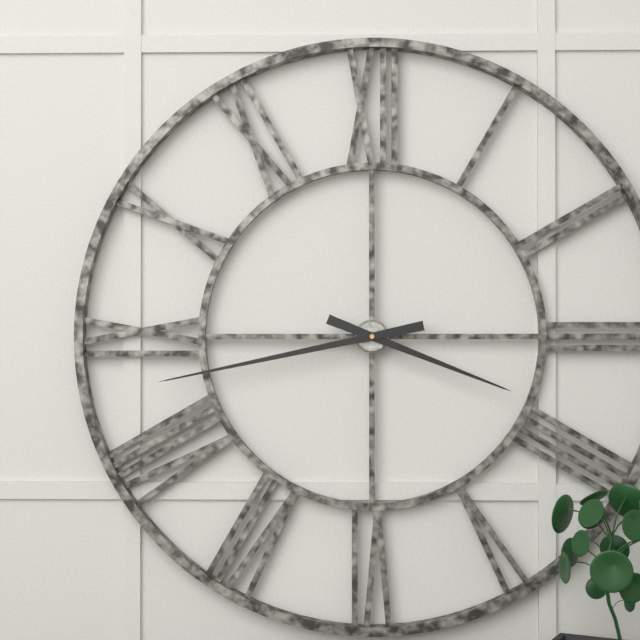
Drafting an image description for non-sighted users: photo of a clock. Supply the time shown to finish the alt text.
3:43
